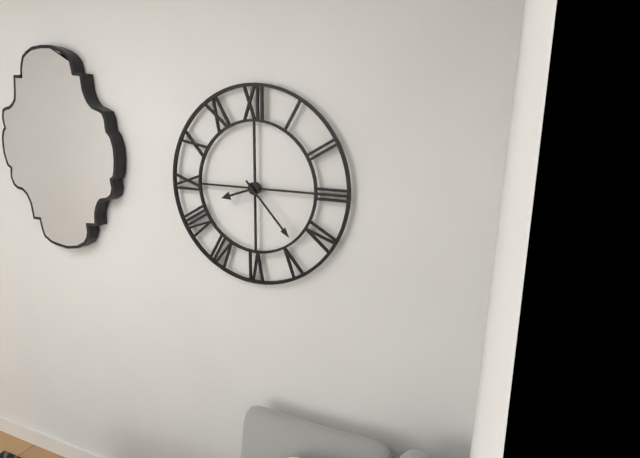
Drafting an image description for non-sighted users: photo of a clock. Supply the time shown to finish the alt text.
8:23
